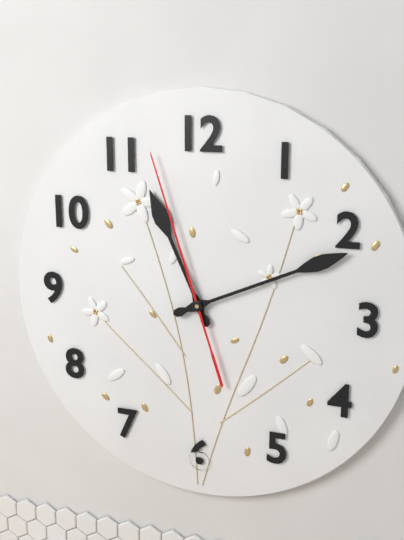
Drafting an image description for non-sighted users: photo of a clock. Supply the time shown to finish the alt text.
11:11:57
